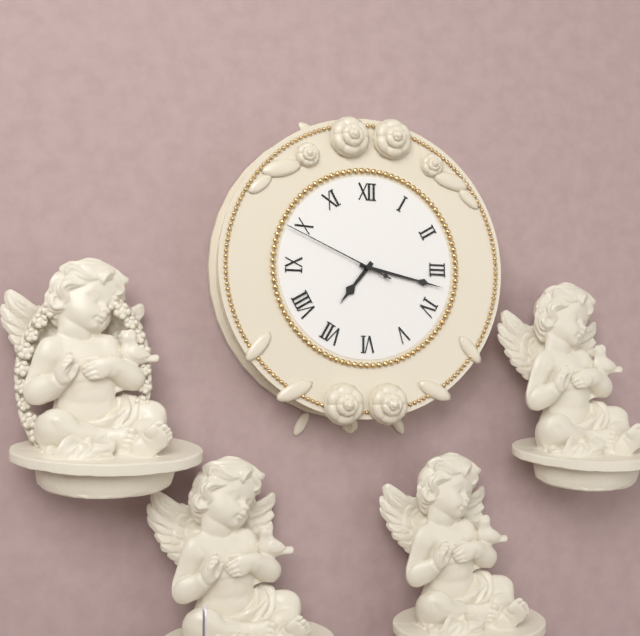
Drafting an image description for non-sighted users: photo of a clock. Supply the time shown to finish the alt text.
7:17:49
